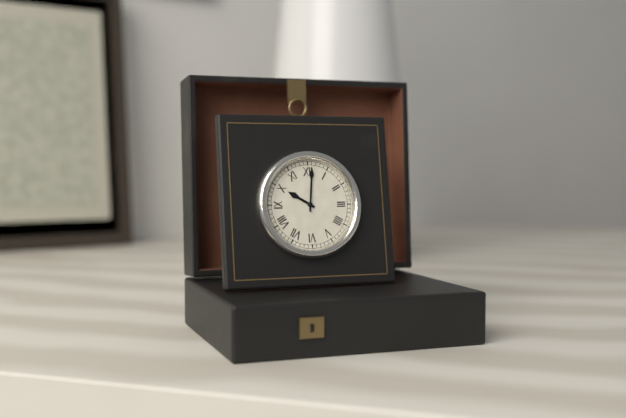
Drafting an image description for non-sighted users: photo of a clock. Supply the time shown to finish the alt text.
10:01
